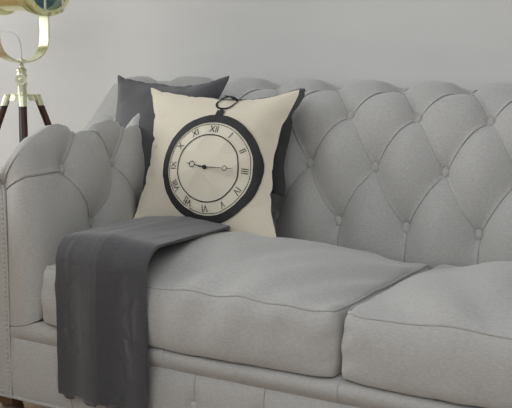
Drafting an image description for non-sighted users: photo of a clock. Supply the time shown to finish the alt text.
9:15
